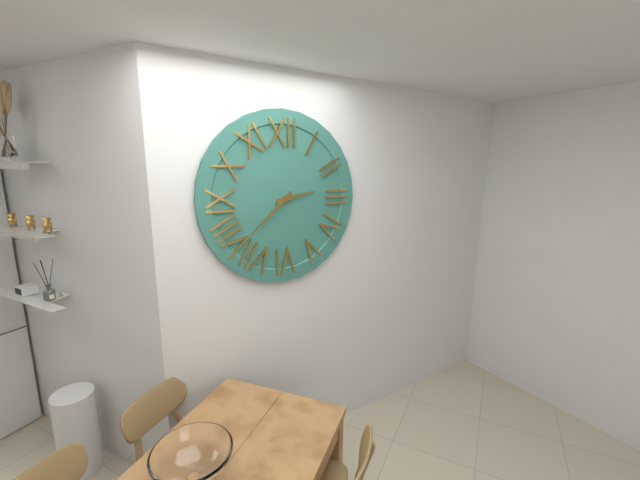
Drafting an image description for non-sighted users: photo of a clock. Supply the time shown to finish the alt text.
2:38
